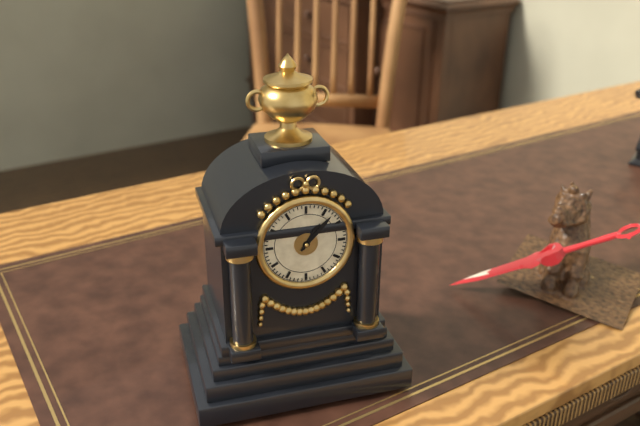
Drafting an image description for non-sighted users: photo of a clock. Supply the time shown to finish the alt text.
1:07
